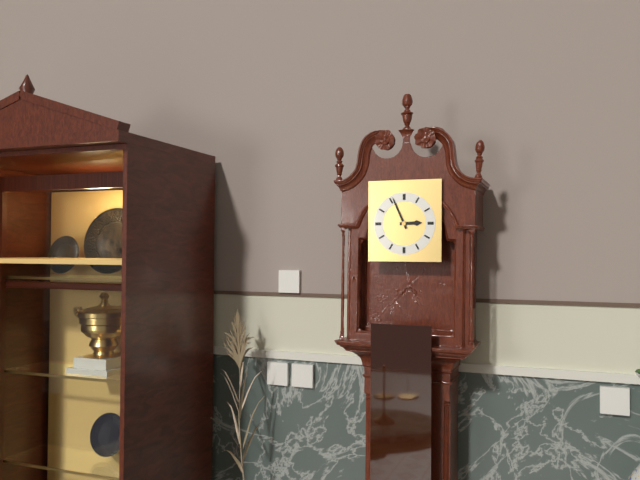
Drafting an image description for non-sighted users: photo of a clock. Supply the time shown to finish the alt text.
2:56
